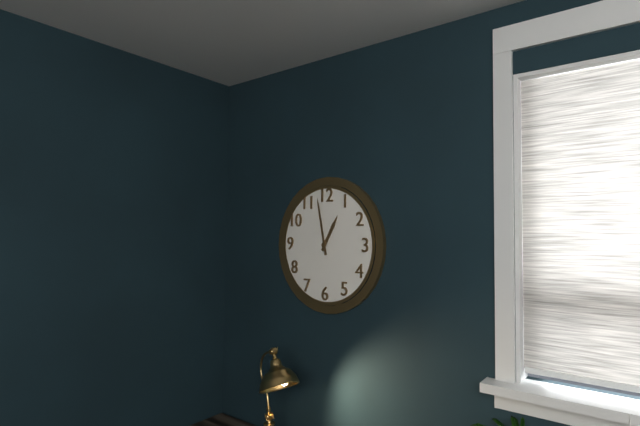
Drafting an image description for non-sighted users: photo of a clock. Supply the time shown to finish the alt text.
12:58
